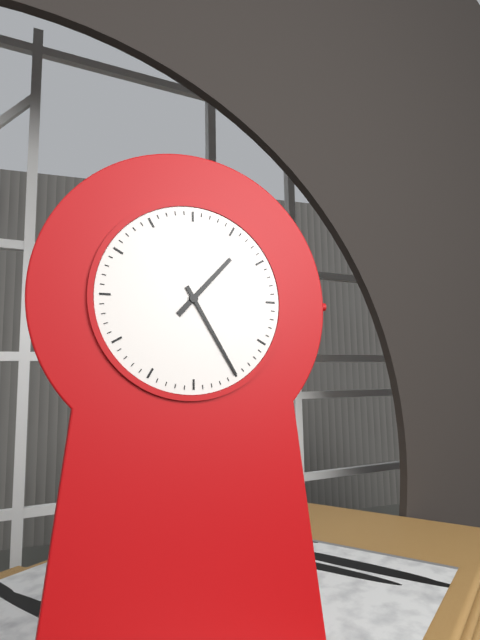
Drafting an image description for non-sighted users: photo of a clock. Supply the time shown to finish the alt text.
1:25
